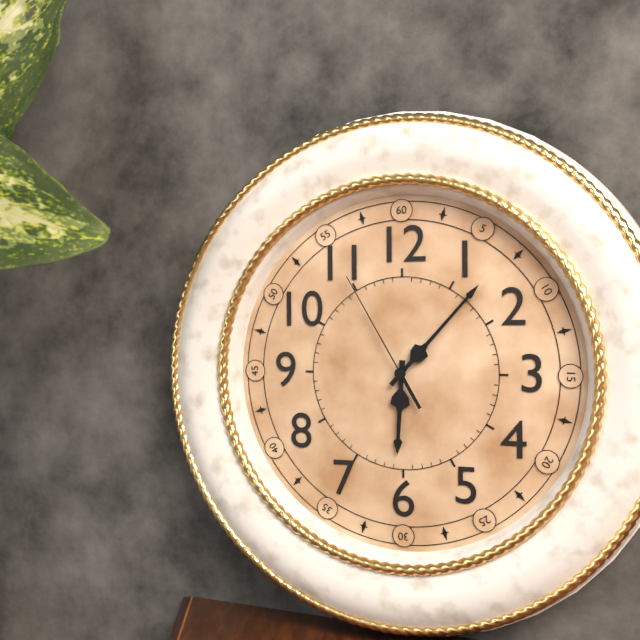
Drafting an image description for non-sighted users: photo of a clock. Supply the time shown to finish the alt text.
6:07:55
